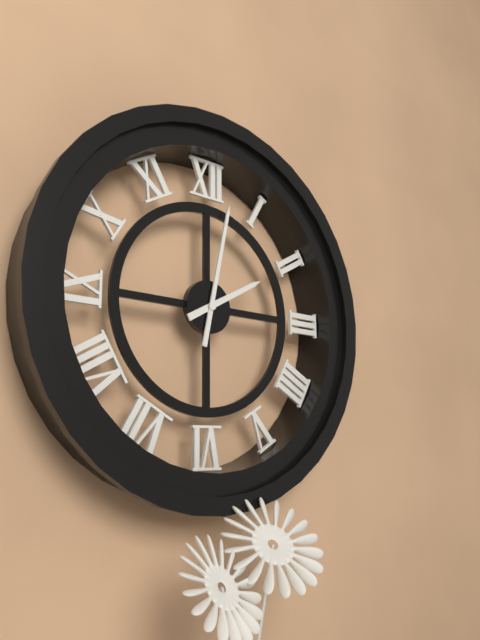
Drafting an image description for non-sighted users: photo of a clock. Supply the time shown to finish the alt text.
2:02
